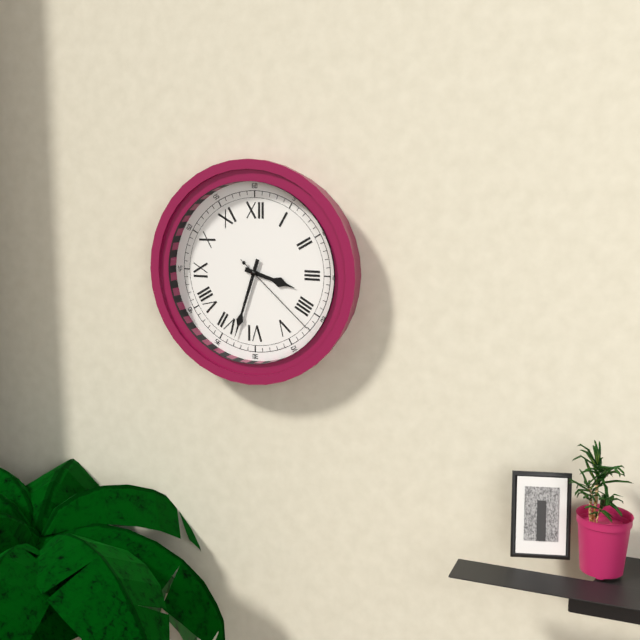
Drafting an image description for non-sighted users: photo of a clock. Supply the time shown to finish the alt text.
3:33:22
